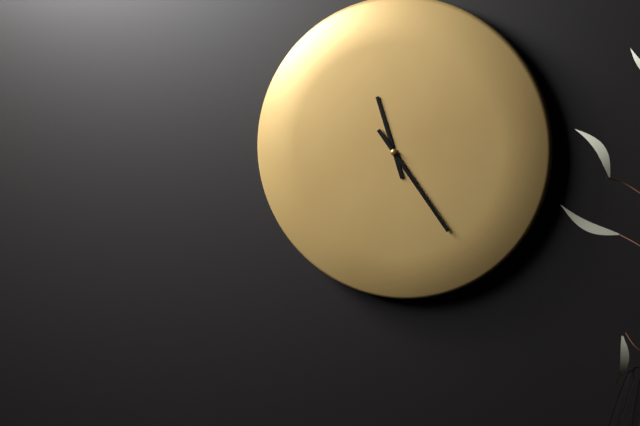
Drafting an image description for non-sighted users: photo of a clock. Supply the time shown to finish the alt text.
11:24
